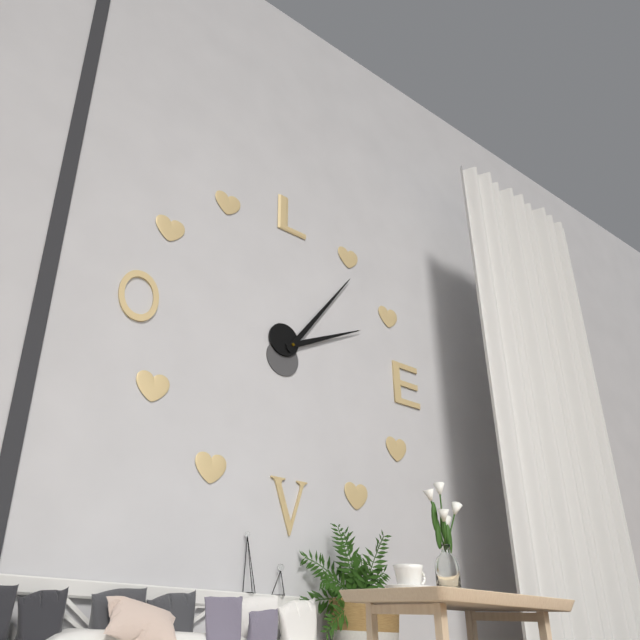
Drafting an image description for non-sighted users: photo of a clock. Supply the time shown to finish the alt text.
2:06
